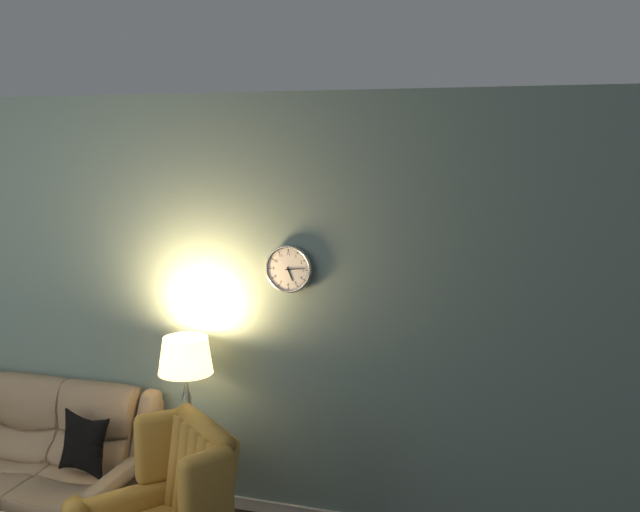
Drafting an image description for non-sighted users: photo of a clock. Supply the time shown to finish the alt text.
5:14
